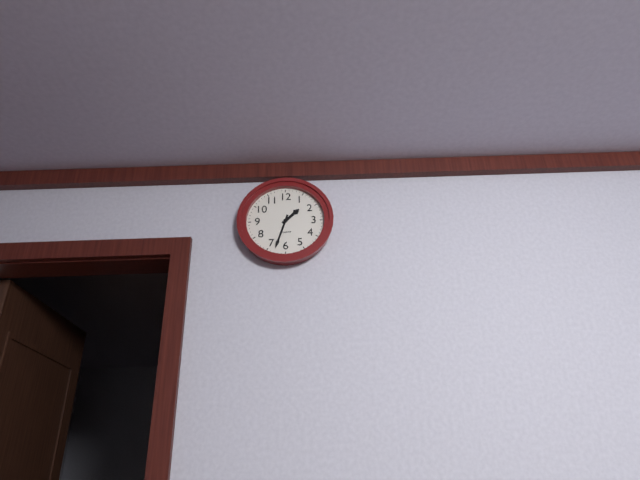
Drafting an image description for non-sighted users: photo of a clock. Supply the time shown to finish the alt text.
1:33
